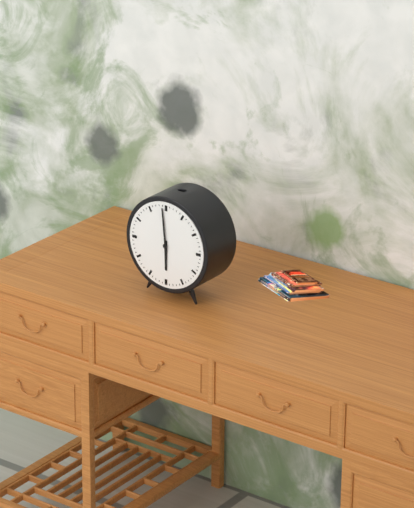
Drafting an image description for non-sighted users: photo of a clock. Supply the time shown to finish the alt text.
5:59
